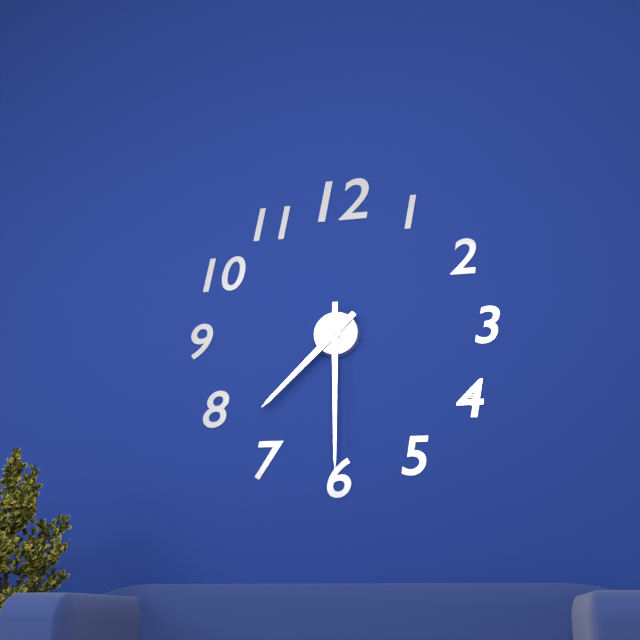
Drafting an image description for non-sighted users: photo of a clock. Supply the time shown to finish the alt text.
7:30
